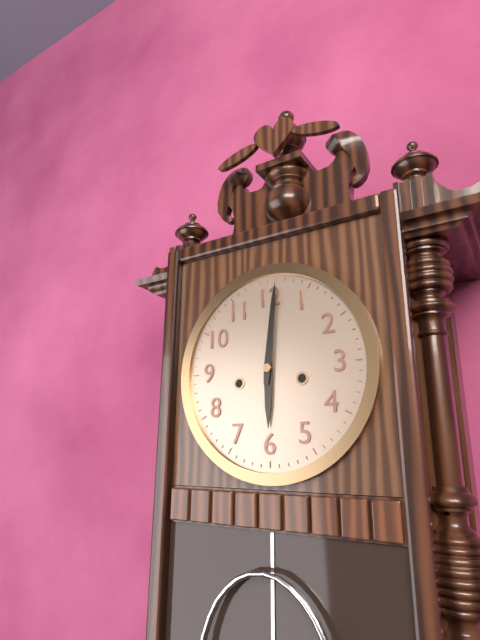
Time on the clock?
6:01
